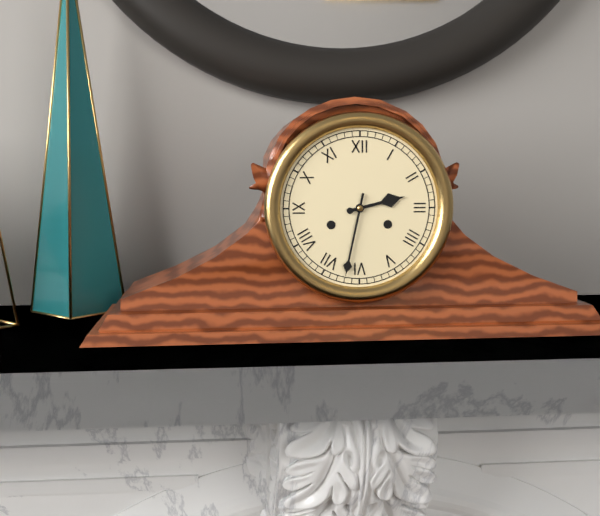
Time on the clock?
2:32
